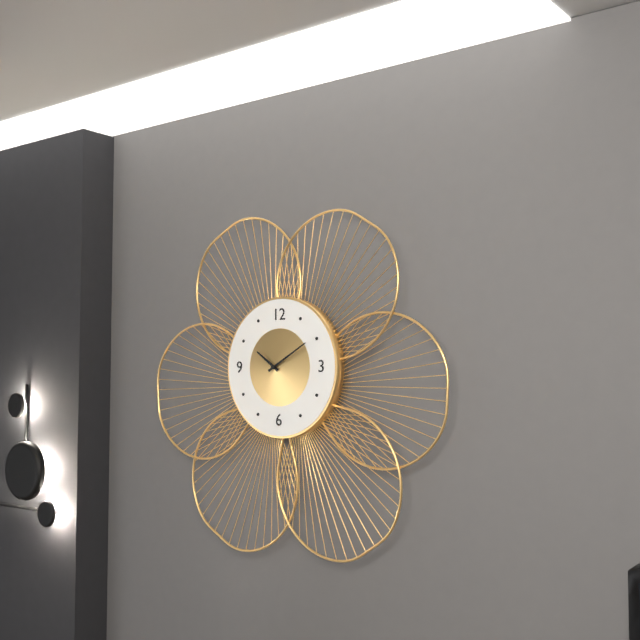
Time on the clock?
10:10
